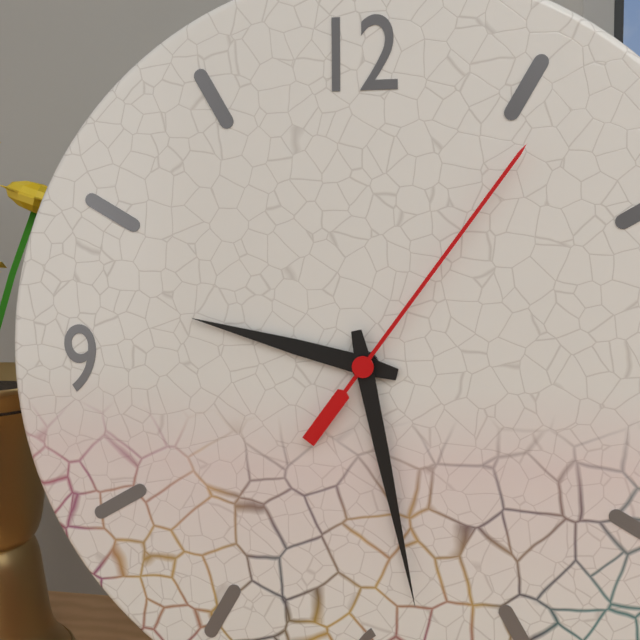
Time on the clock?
9:28:06
